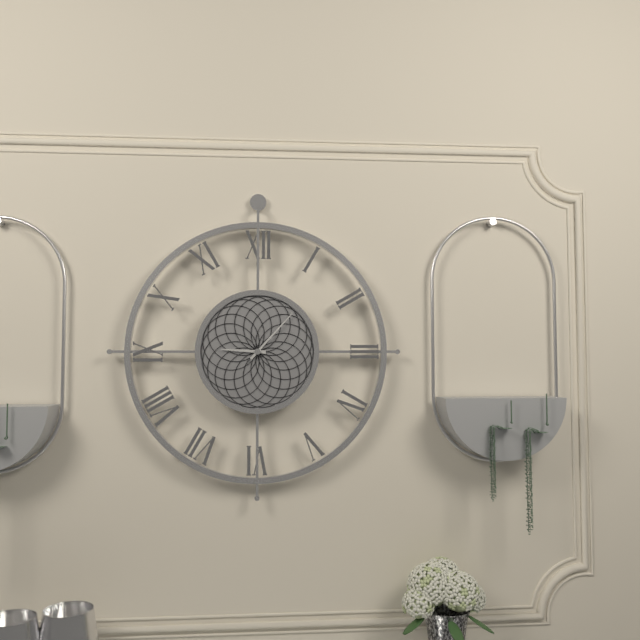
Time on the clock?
9:07
